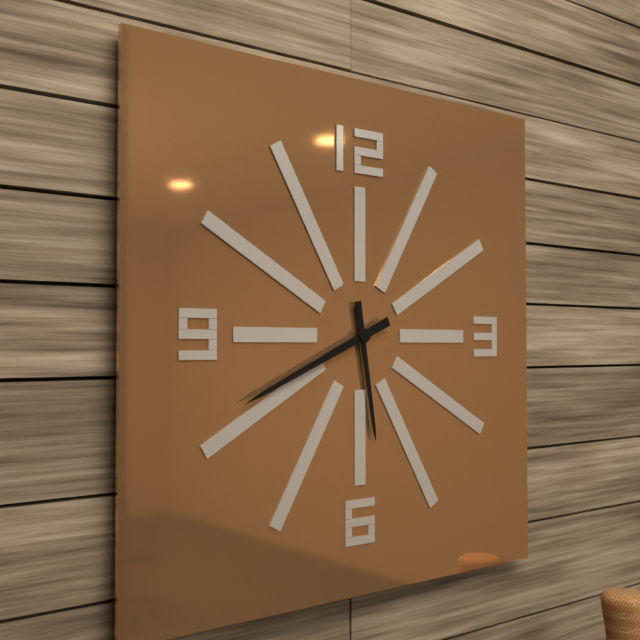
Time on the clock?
5:41
